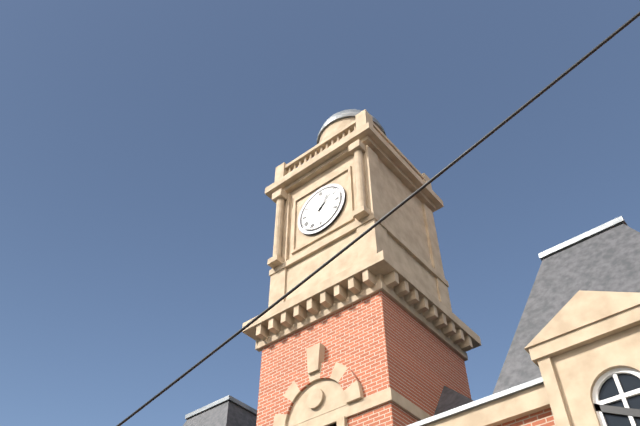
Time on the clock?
1:08
